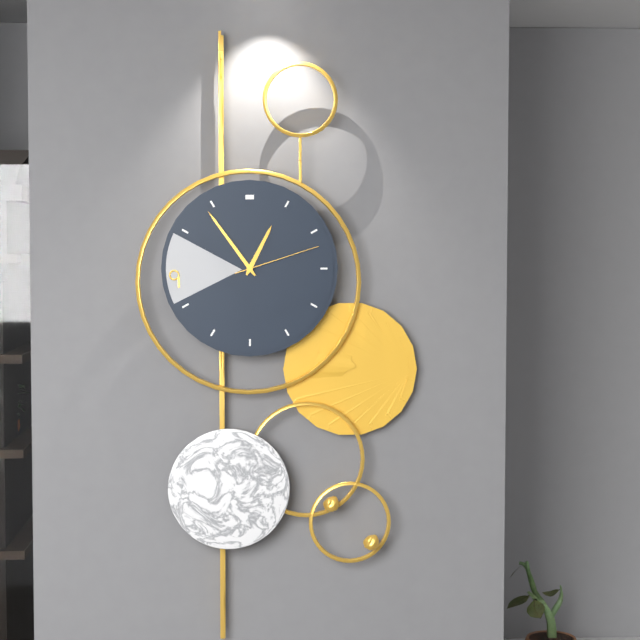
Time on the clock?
12:54:12
